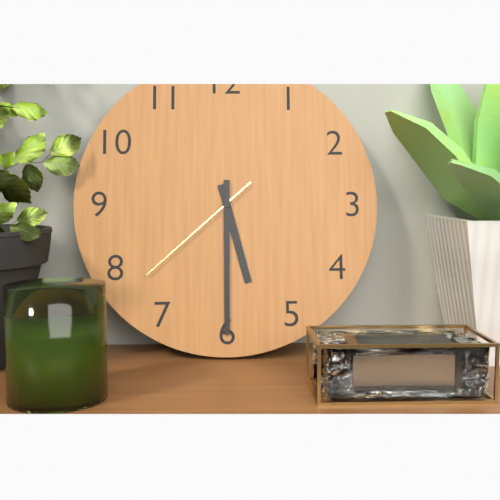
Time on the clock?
5:30:38
